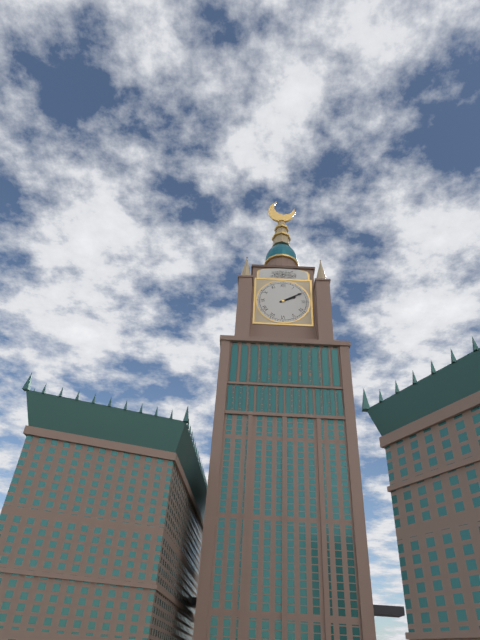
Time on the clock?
2:10
